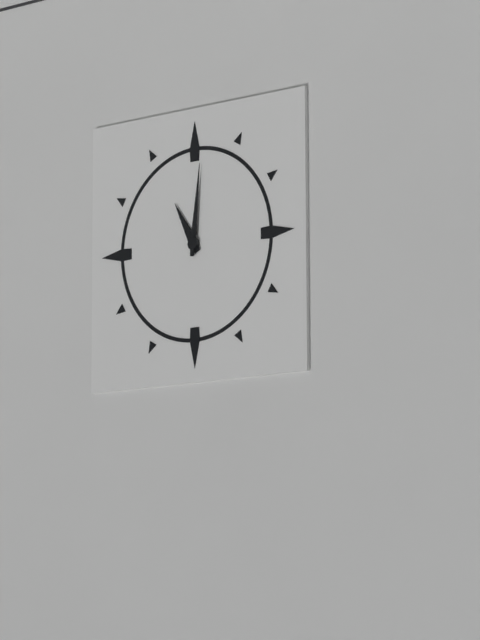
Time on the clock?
11:01
